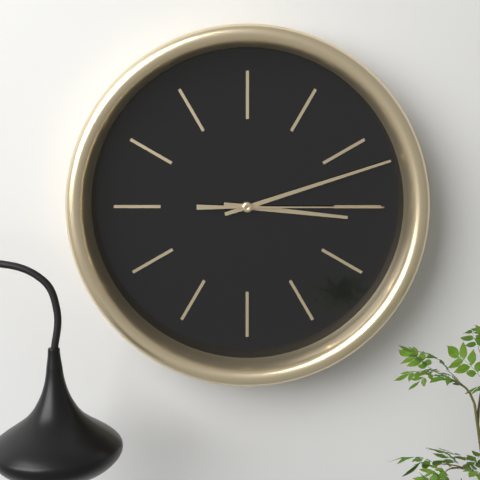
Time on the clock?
3:12:15
